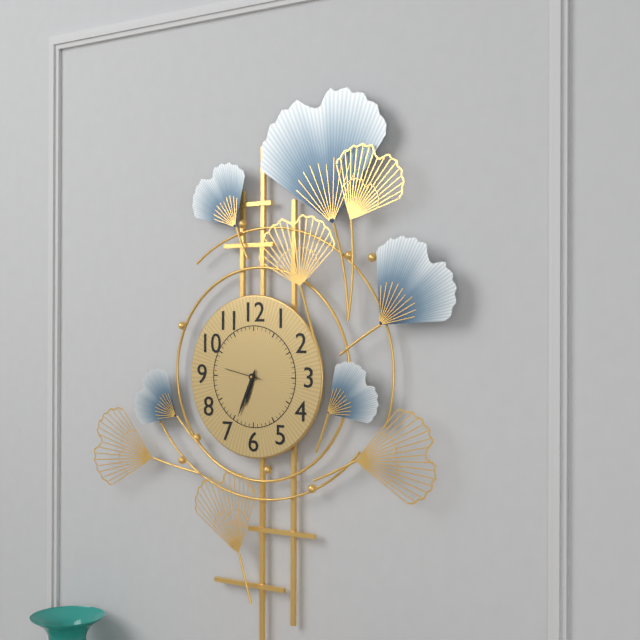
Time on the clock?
6:34
